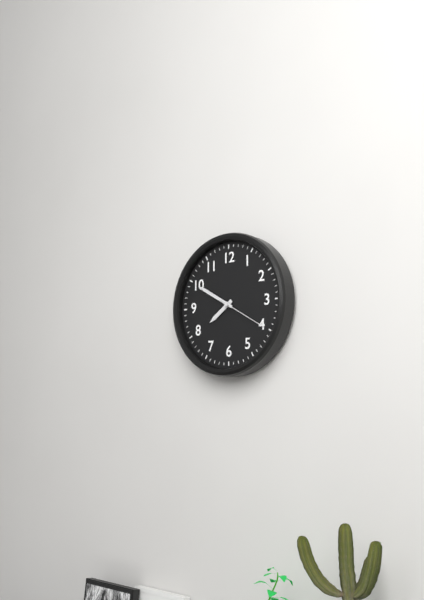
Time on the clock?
7:50:20
